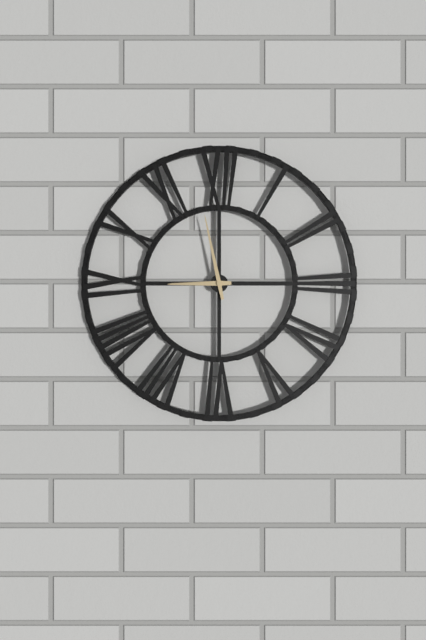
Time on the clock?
8:58
